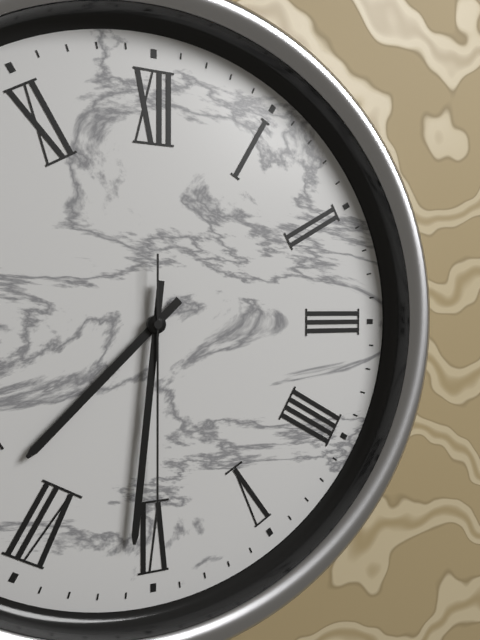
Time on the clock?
7:31:30
